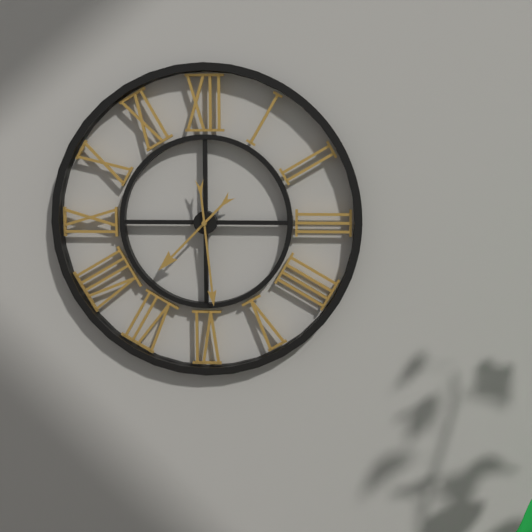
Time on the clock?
7:29
